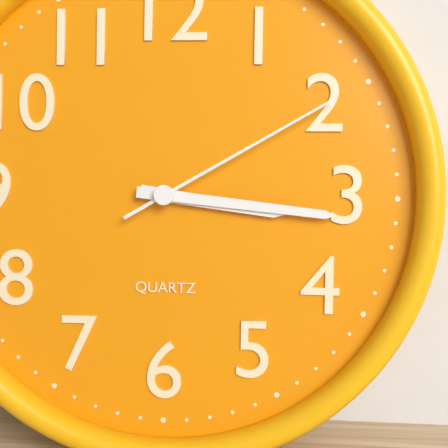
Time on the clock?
3:16:10
